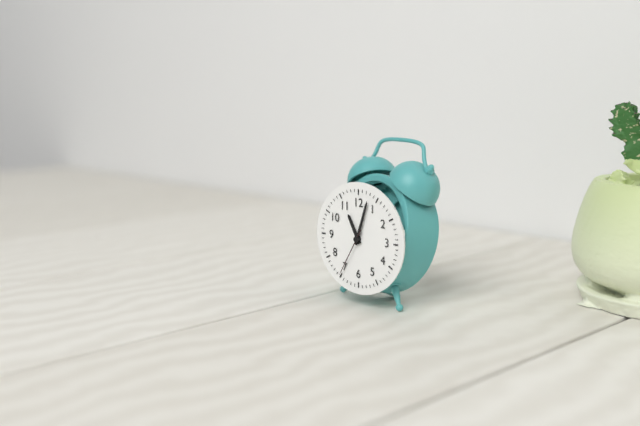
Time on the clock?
11:03:35
